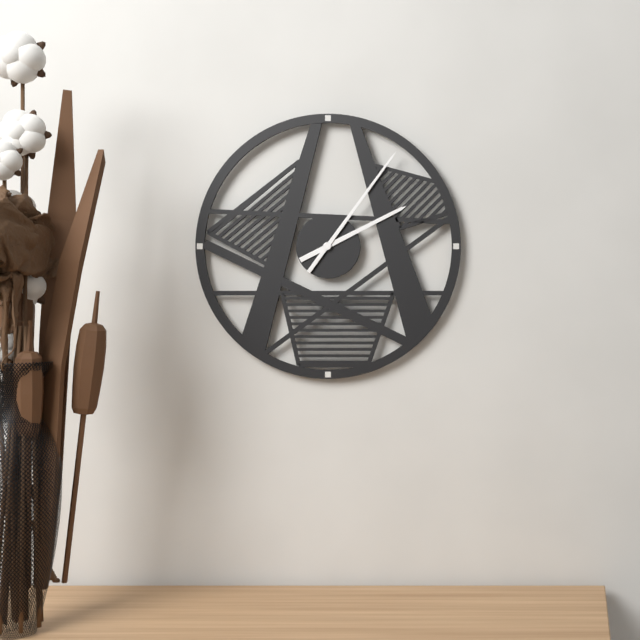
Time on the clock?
2:06
